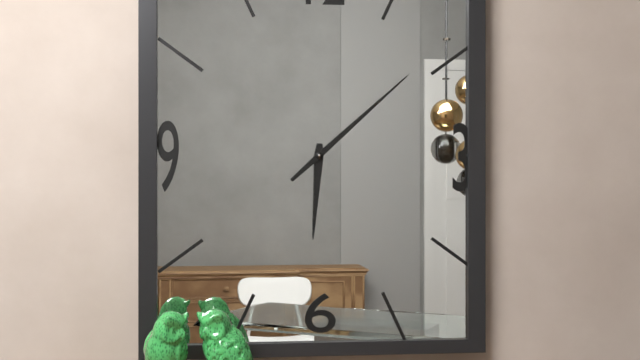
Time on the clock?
6:08
